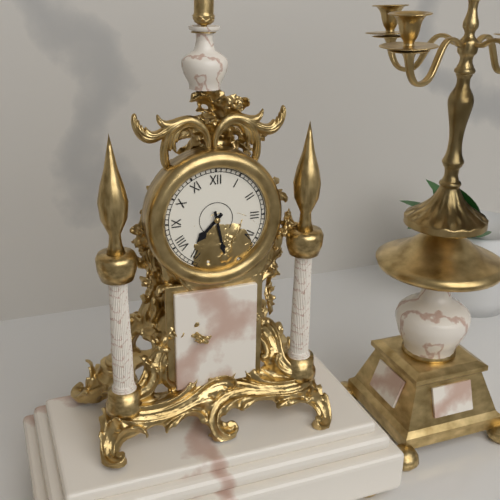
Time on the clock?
7:28
